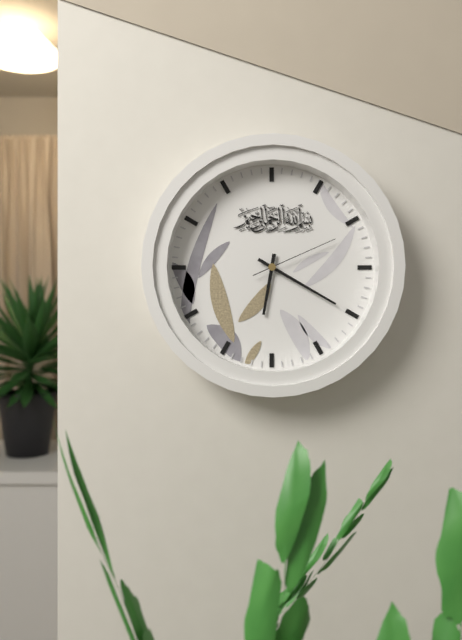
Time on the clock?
6:20:11
